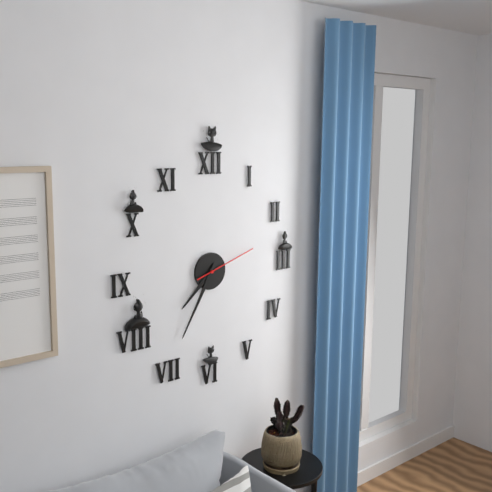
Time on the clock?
7:35:12
